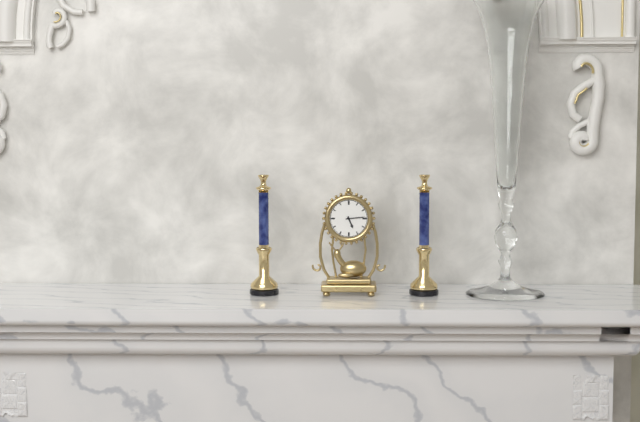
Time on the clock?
5:14
